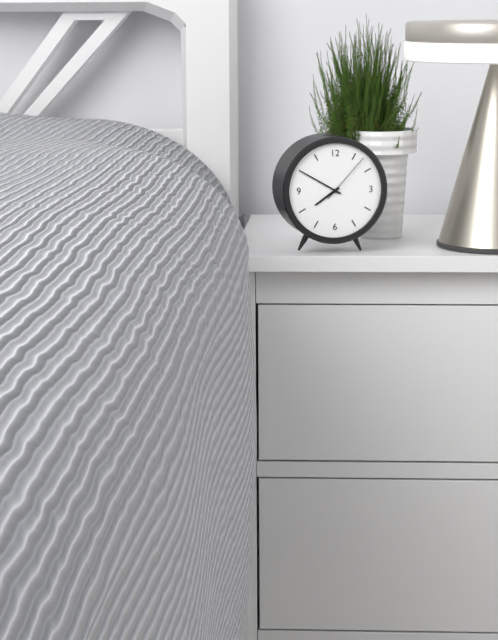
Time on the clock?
7:50:07
